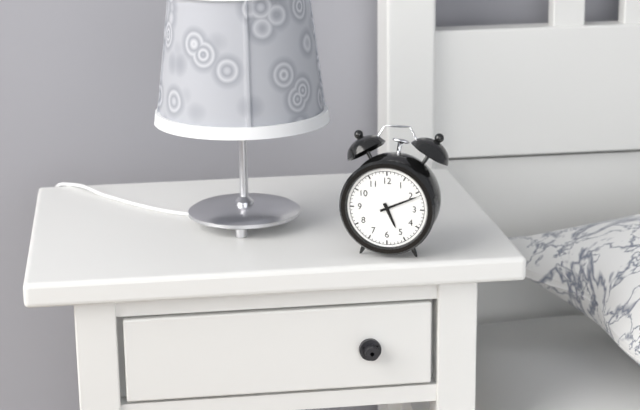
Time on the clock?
5:11
